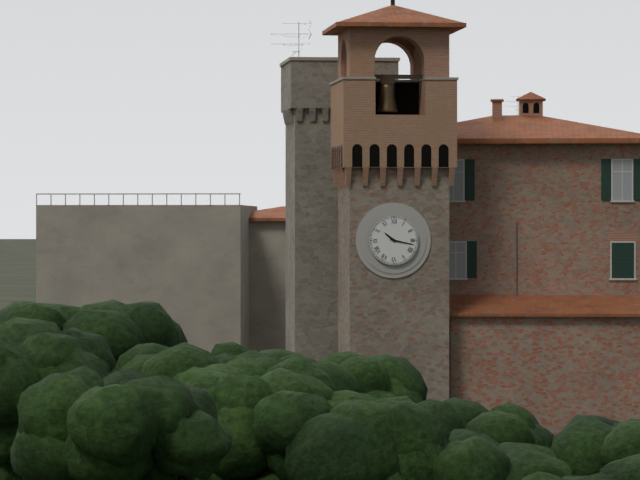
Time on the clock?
10:17
